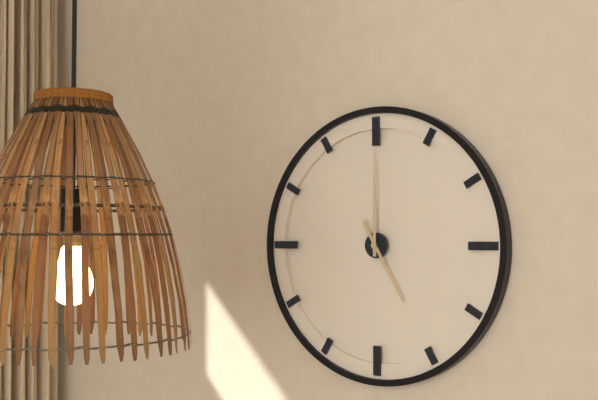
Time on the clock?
5:00
